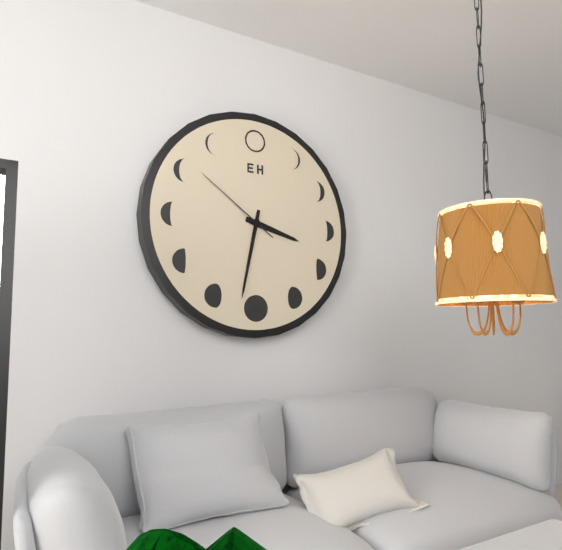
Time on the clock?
3:32:51
